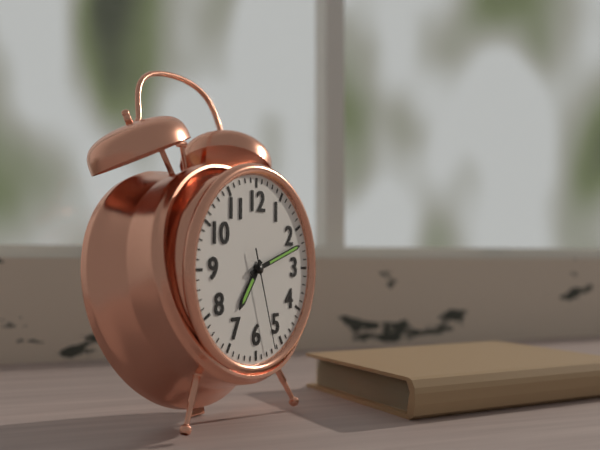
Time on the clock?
7:12:27
